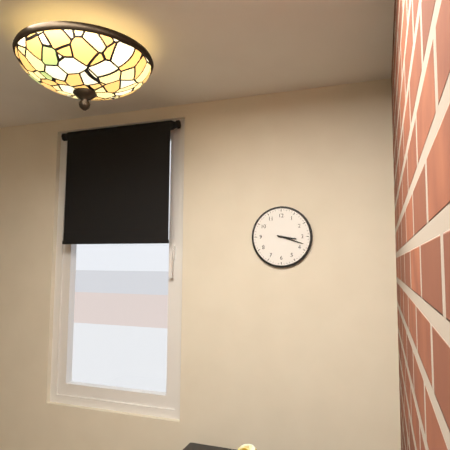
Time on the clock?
3:18
